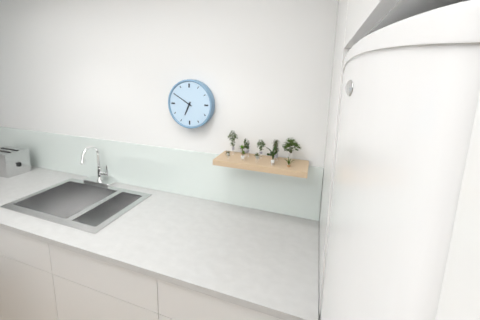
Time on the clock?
6:50
